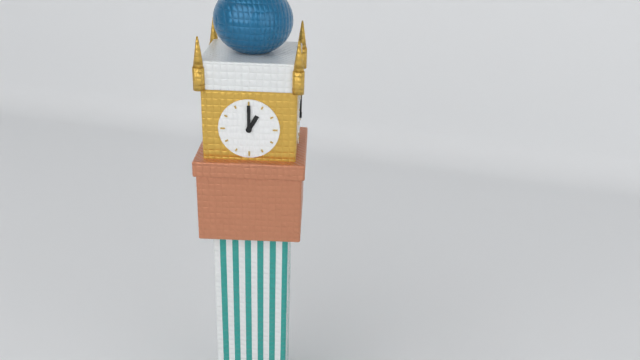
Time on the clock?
1:00
